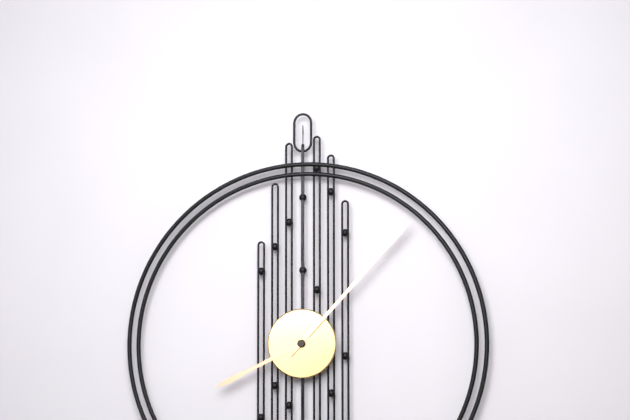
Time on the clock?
8:07
